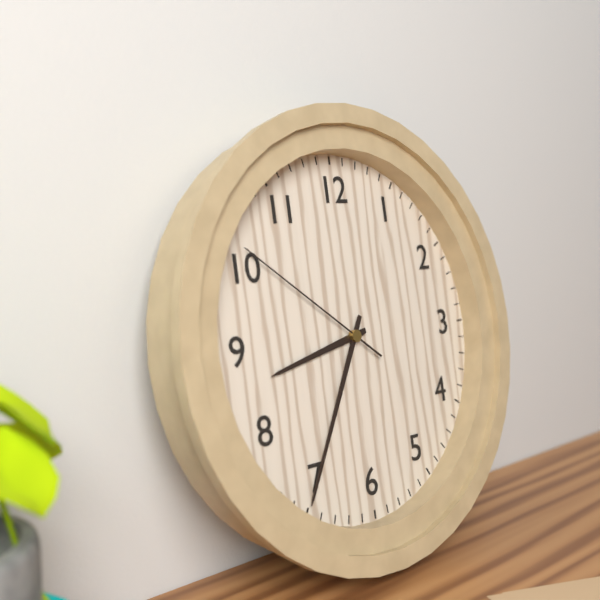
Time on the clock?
8:35:51
